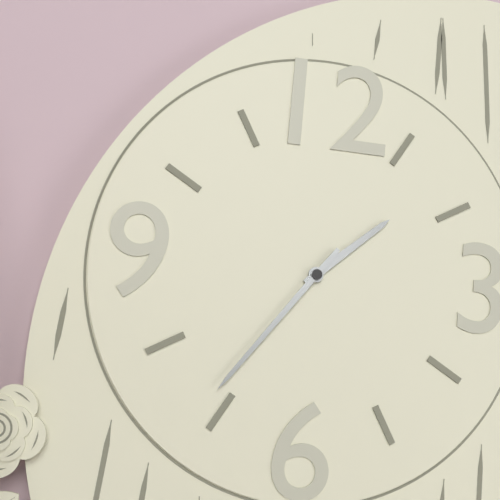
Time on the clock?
1:36
